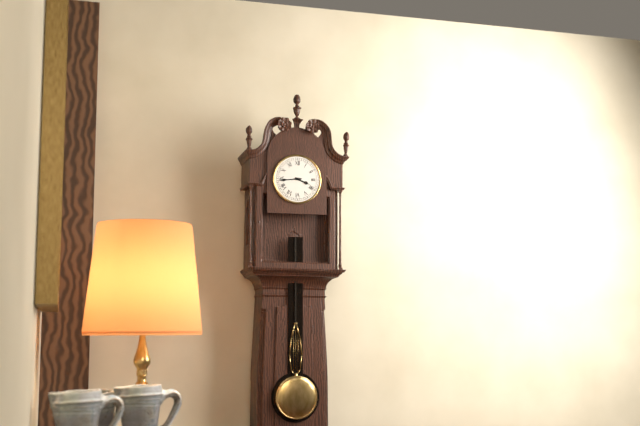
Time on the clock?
3:44
